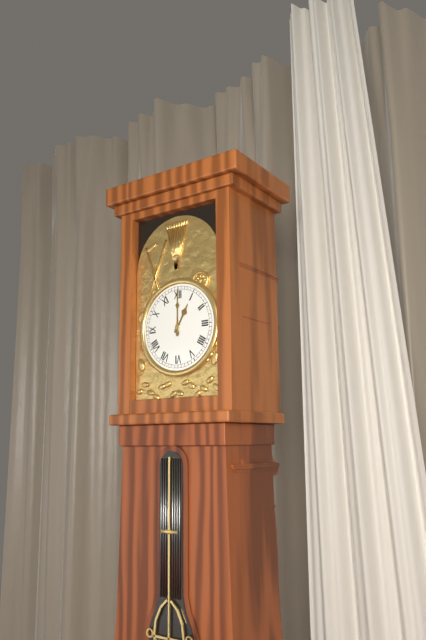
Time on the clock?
1:00
